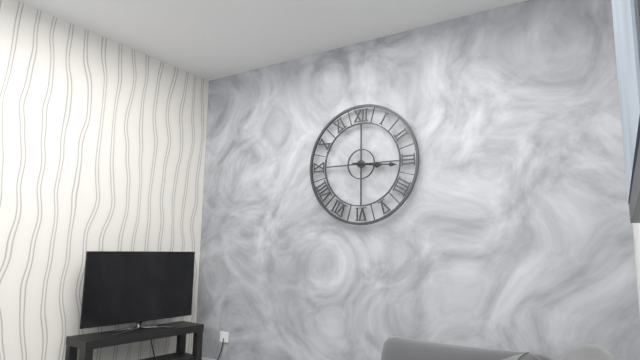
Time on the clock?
3:16
